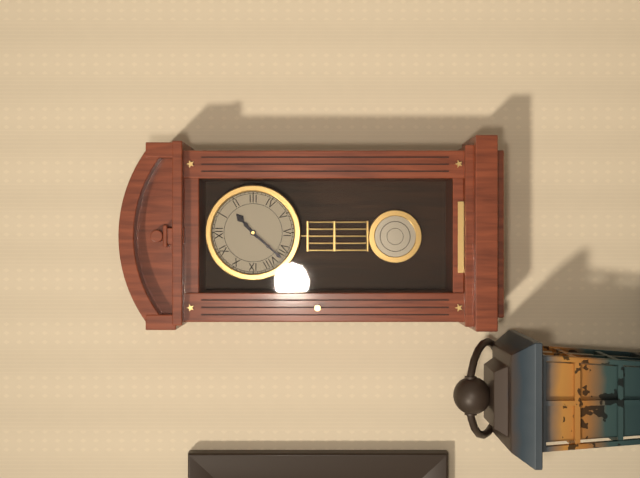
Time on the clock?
1:37
